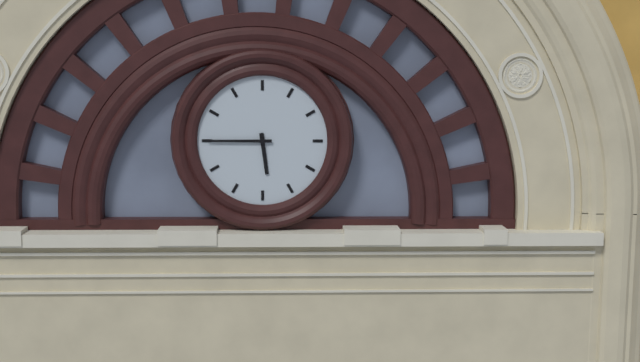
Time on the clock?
5:45
